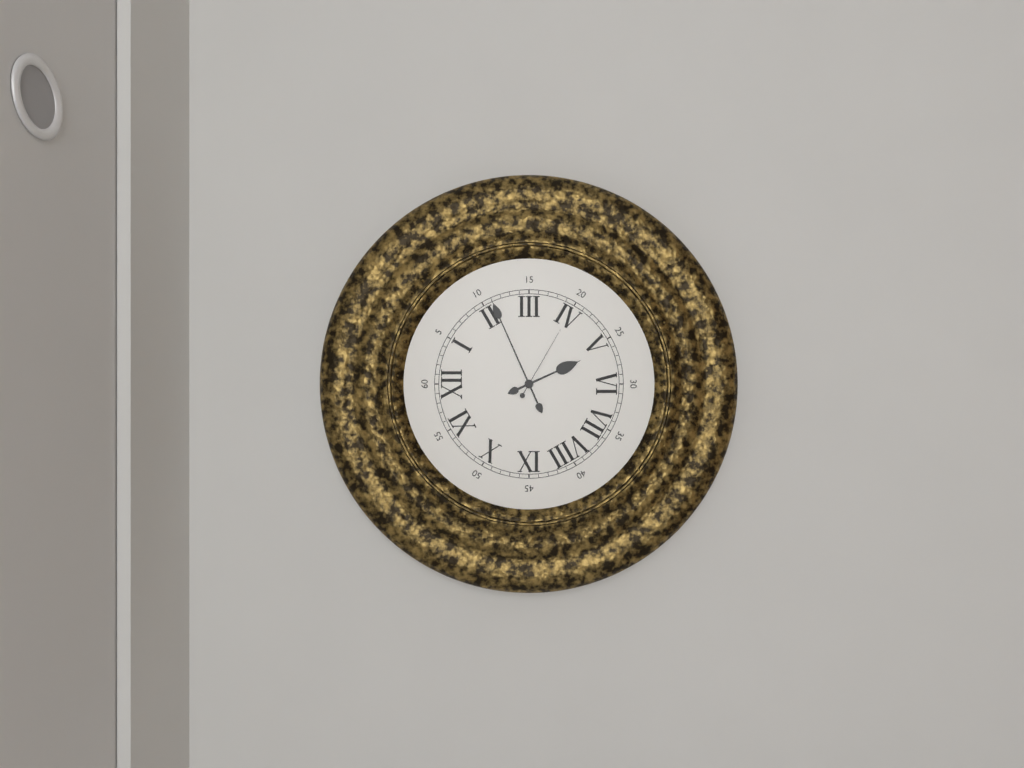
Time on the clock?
5:11:20
